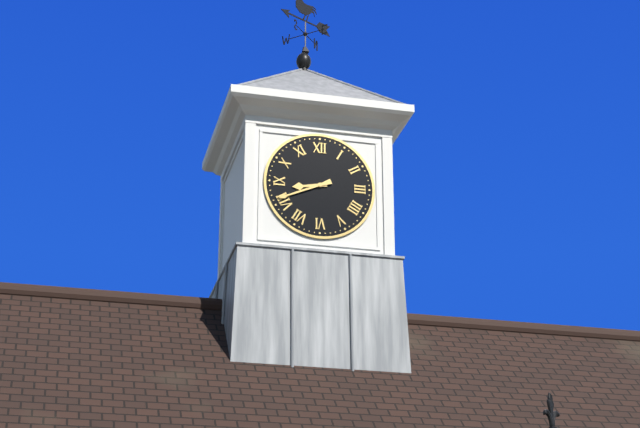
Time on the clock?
8:41
